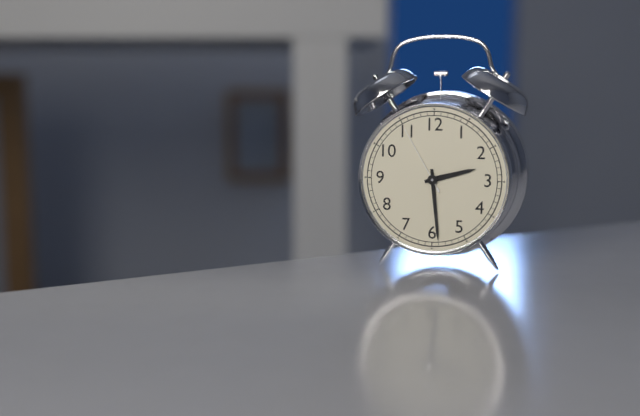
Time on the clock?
2:29:55
